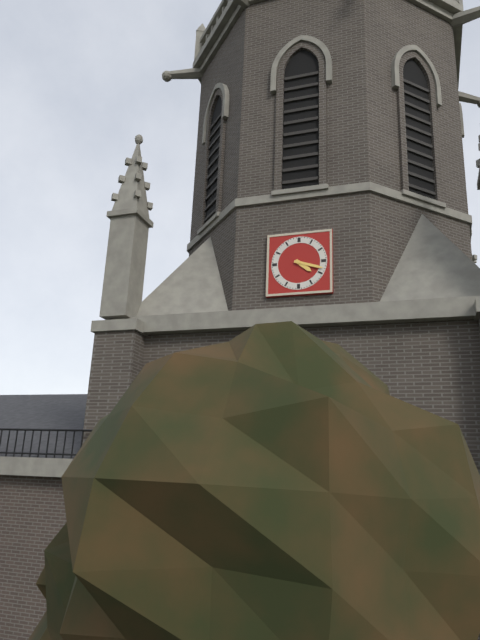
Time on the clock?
4:18
